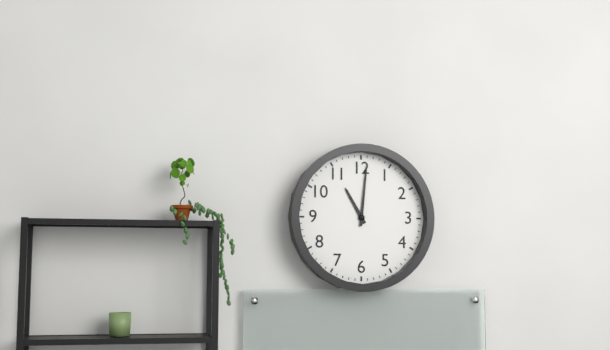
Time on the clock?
11:01
